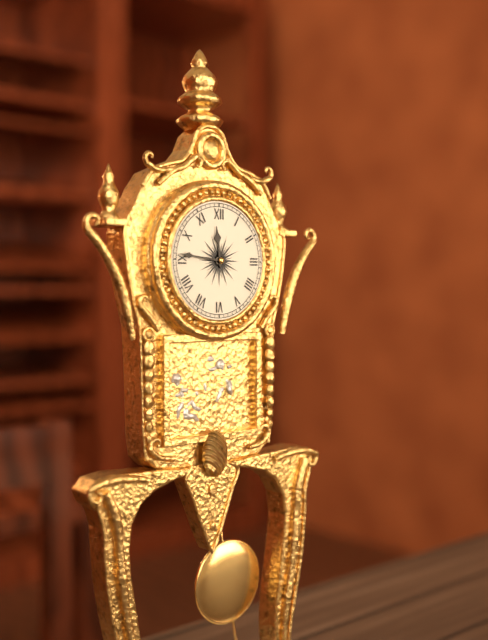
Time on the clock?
11:46
